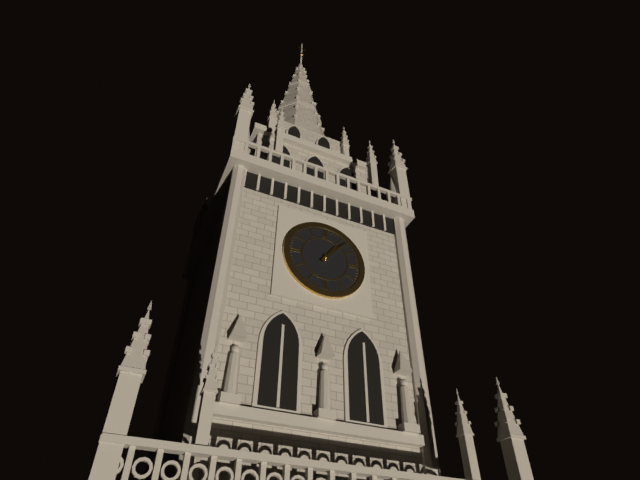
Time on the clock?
1:07
